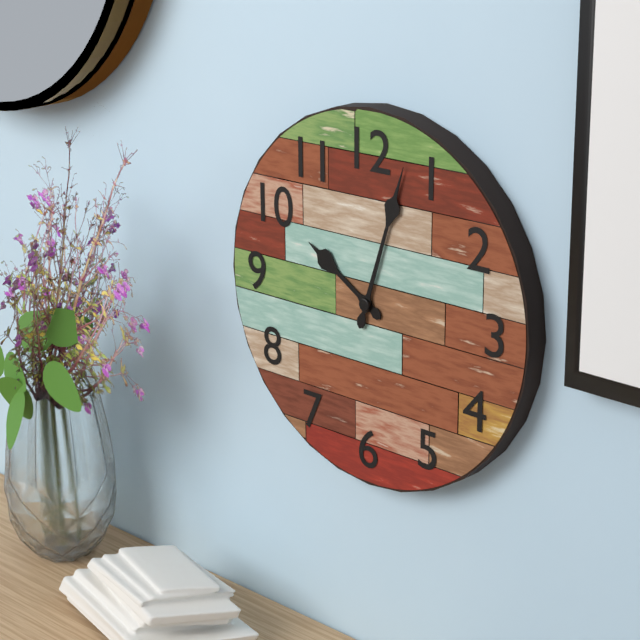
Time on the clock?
10:03
